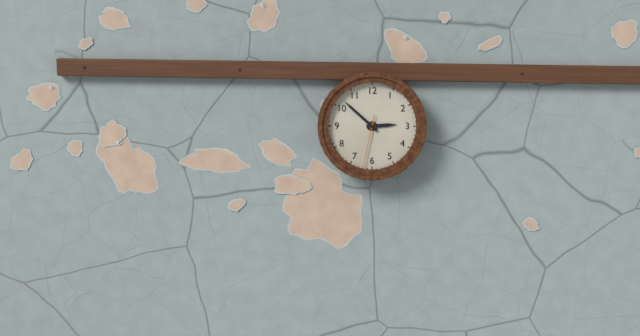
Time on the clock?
2:52:32
